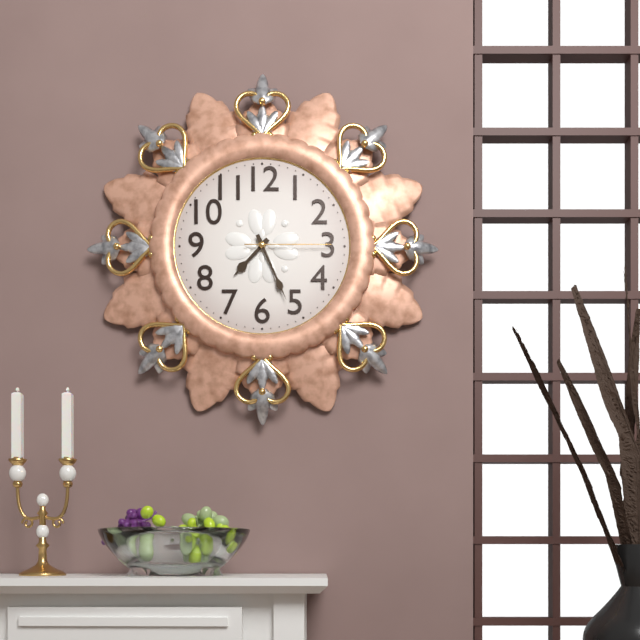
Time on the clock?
7:26:15
